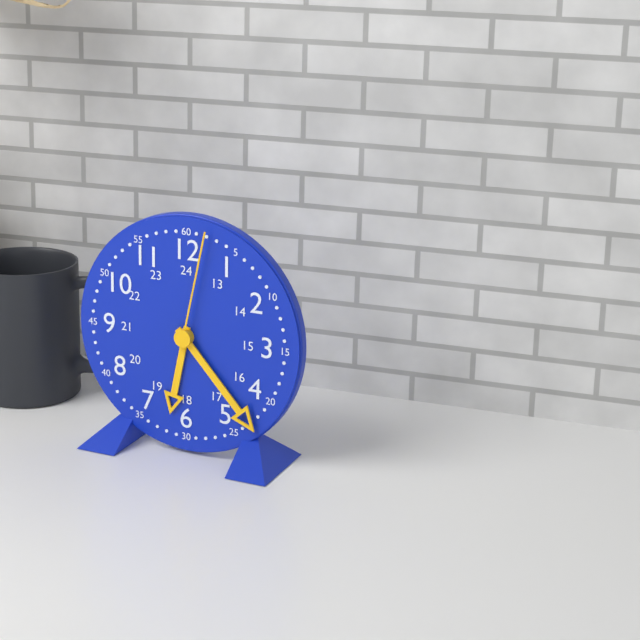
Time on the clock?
6:23:02
